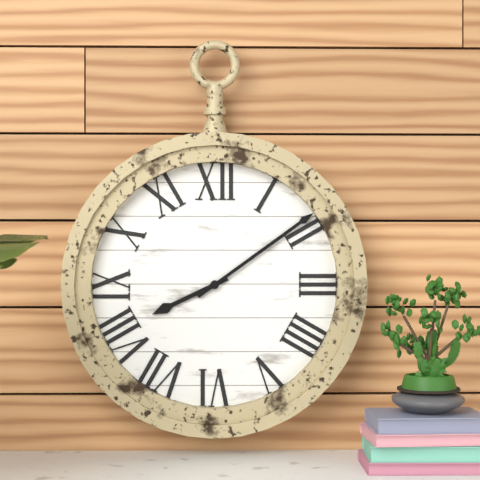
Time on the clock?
8:09
